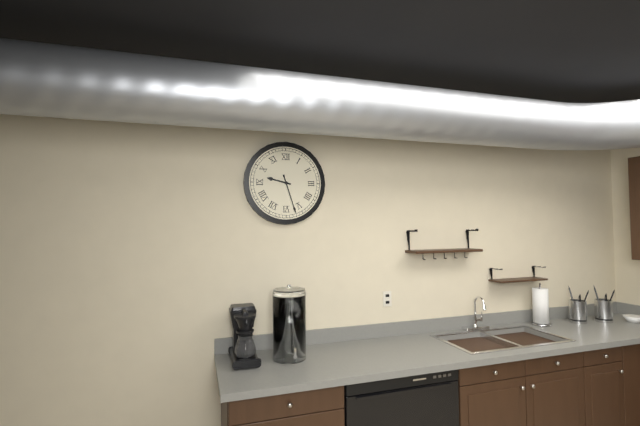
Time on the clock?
9:27
